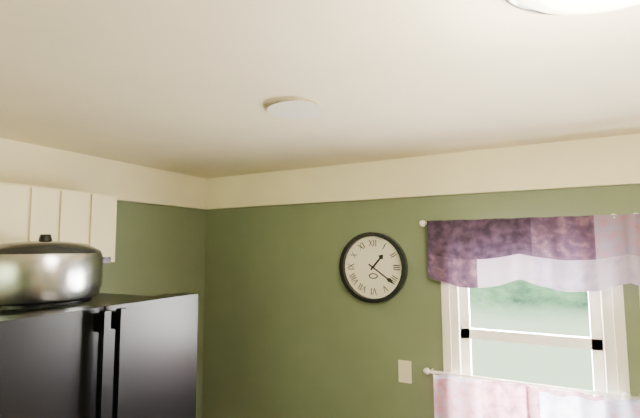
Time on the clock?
1:21
